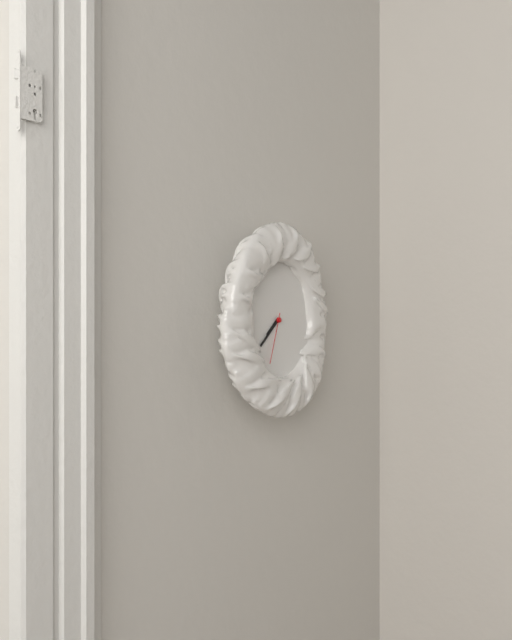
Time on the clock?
7:38:33
